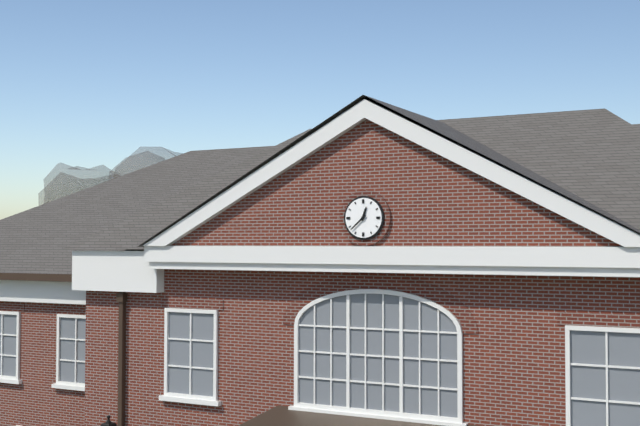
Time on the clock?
12:38
